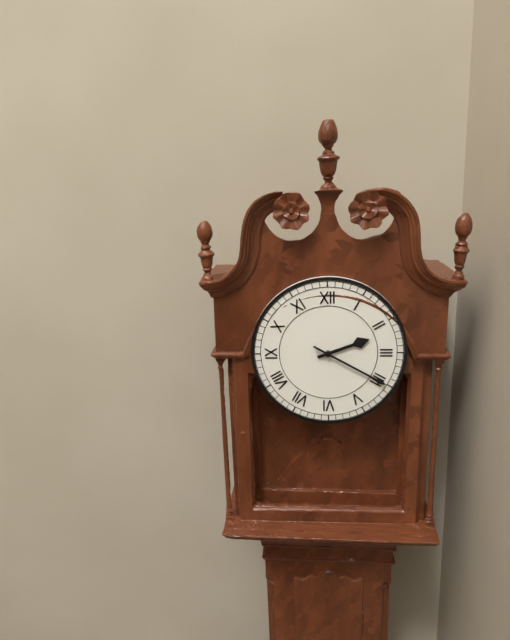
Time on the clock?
2:20
